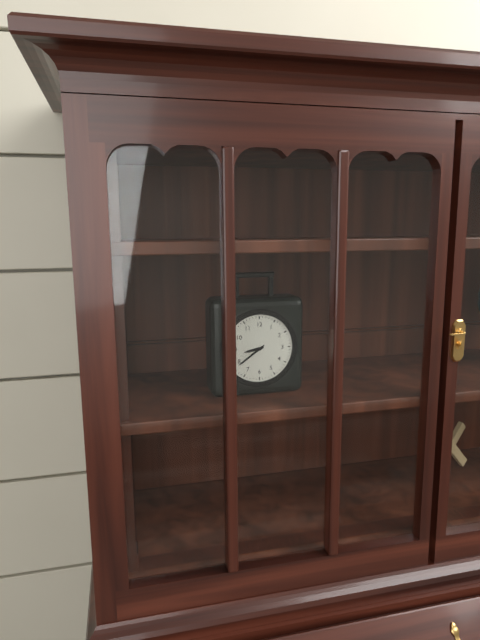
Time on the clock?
8:39
